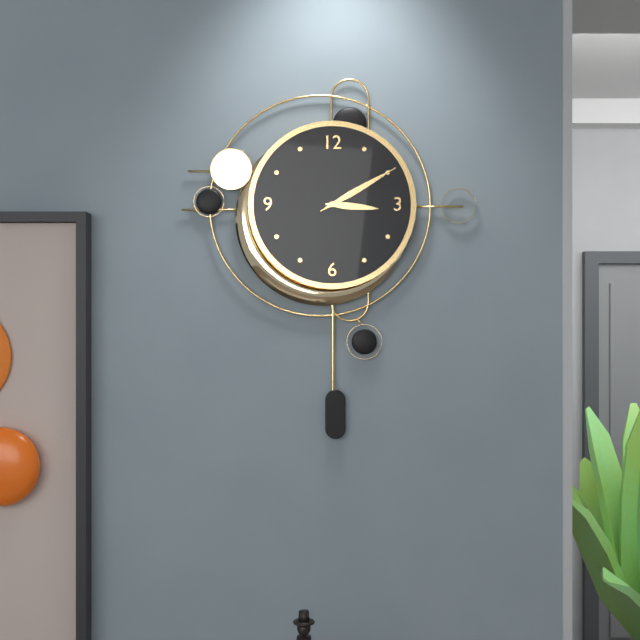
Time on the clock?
3:10:10
